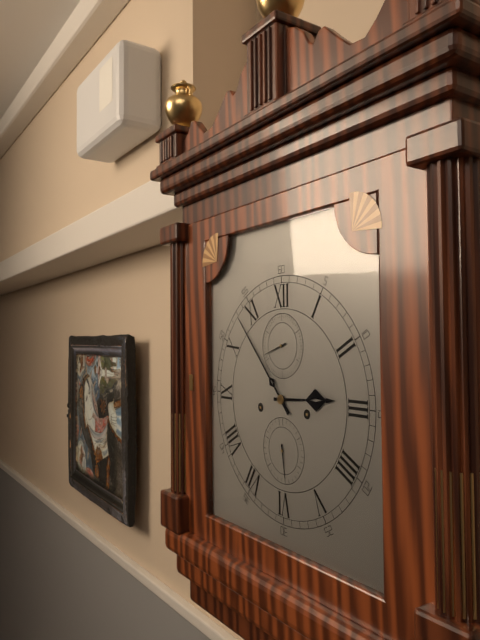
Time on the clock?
2:53
